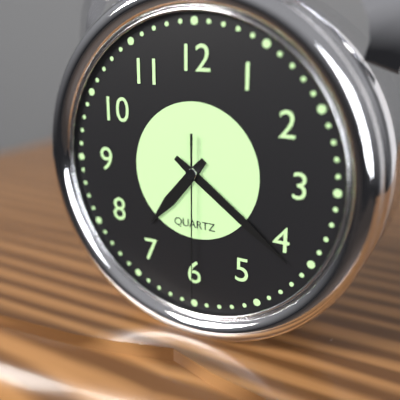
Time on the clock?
7:21:30
